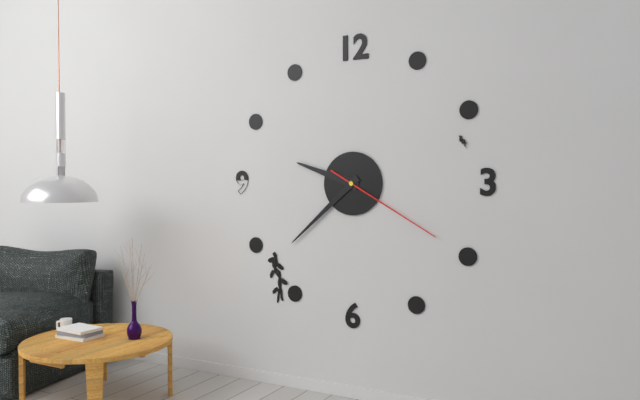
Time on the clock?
9:38:20
